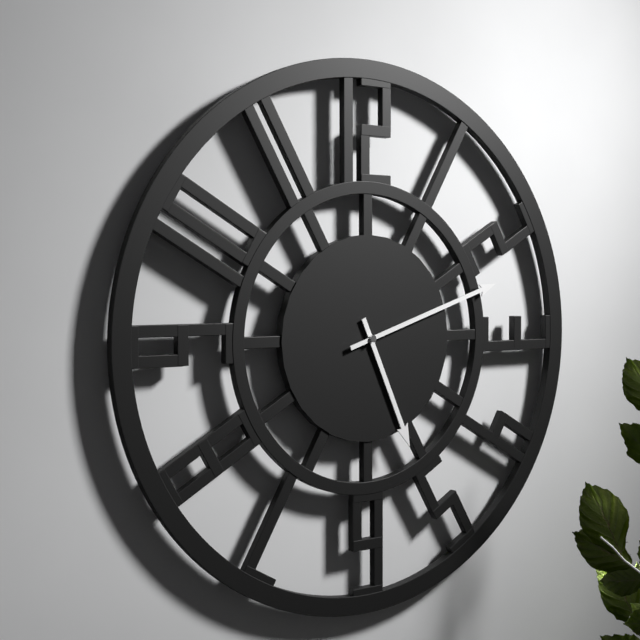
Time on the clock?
5:12
